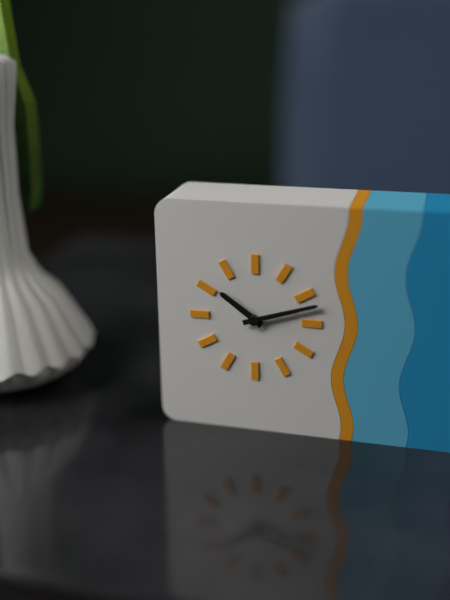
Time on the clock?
10:12
